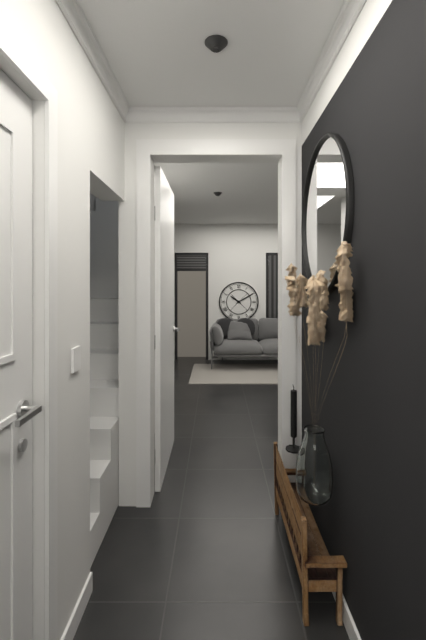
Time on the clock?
10:10
